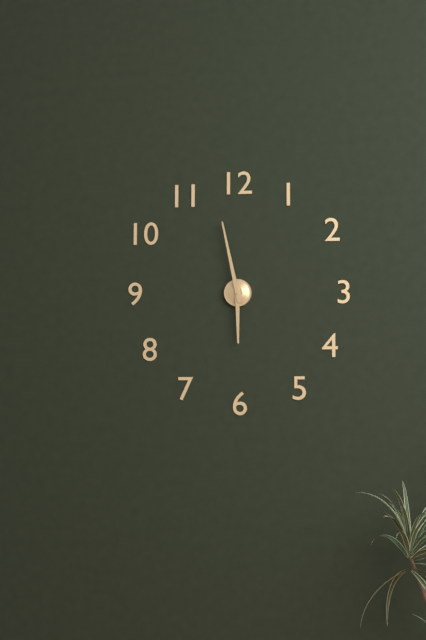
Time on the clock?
5:58
